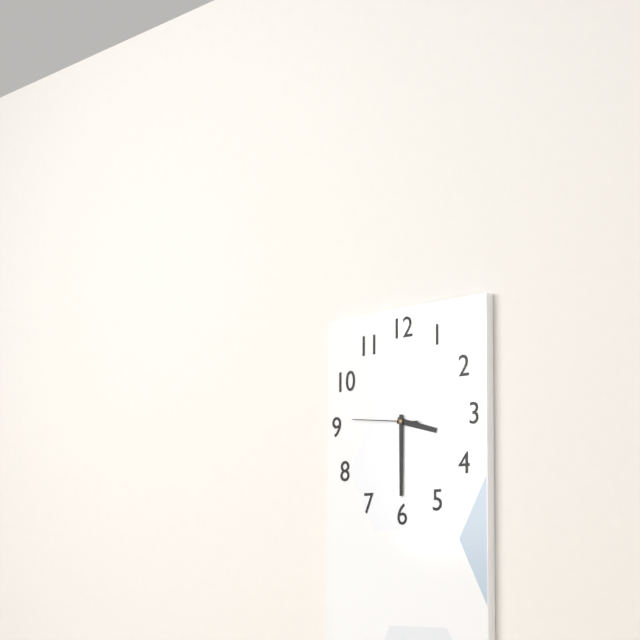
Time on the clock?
3:30:46
